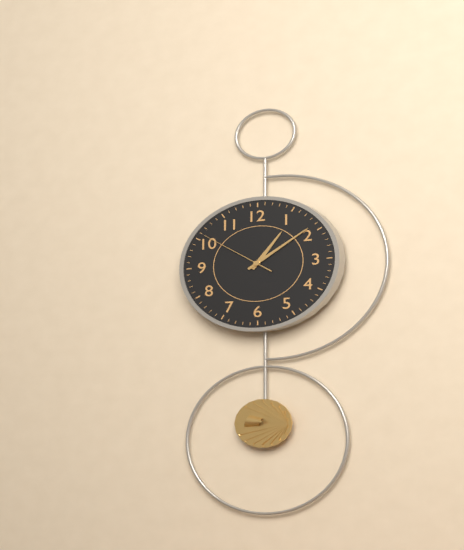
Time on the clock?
1:09:51
